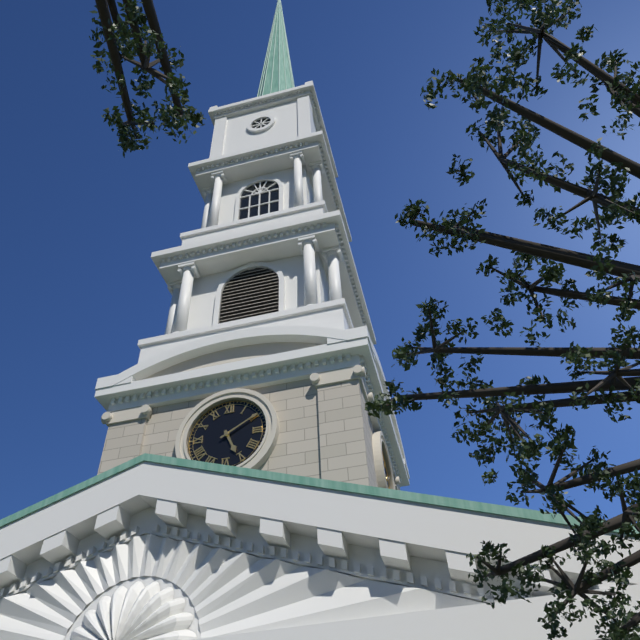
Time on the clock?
5:10
